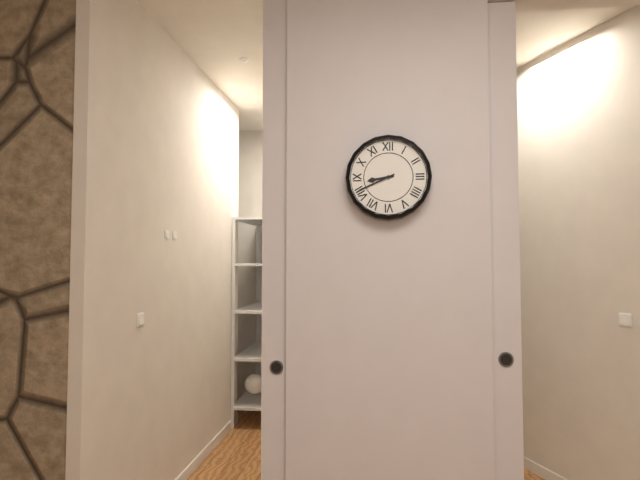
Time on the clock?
8:41
